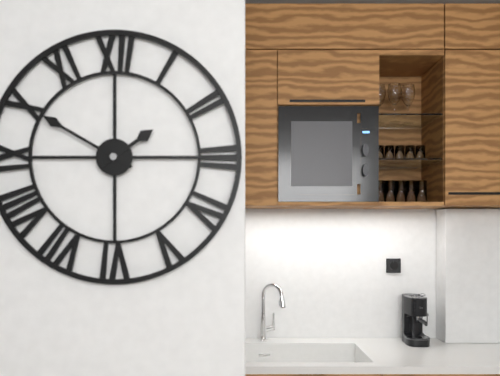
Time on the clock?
1:50
